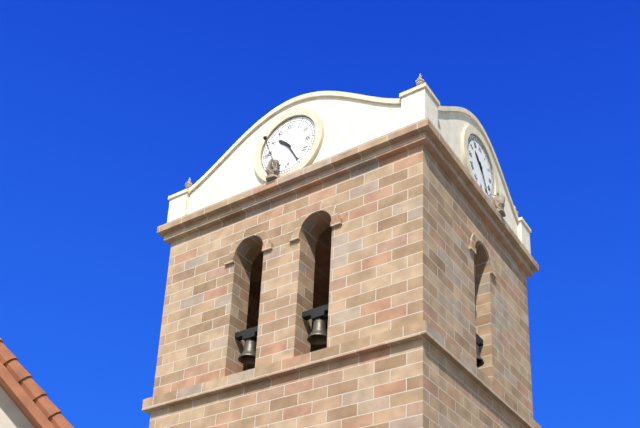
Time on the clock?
10:25
